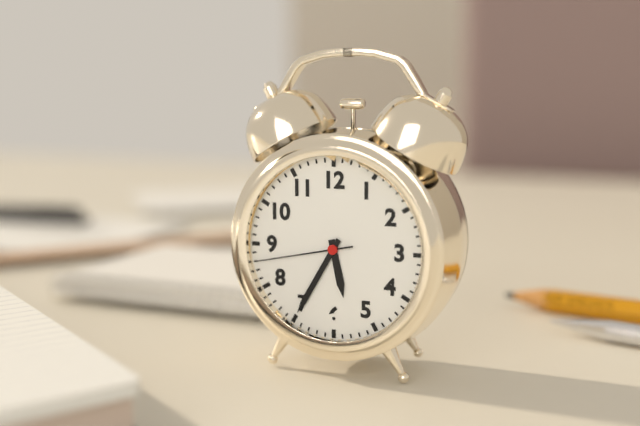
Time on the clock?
5:35:43
